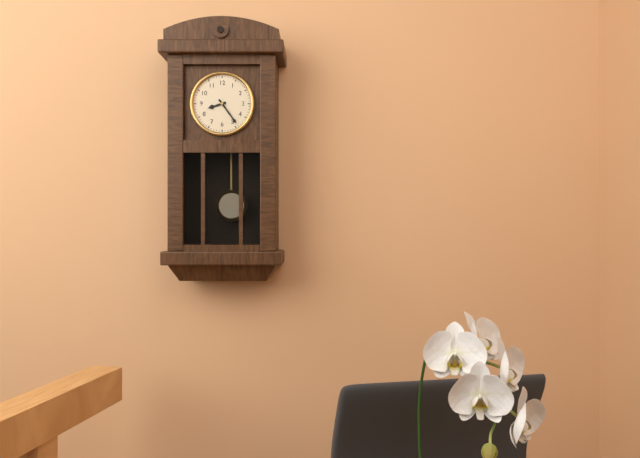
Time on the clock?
8:24
